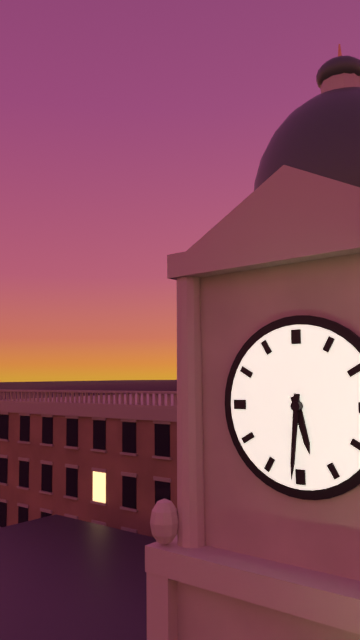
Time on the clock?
5:31
